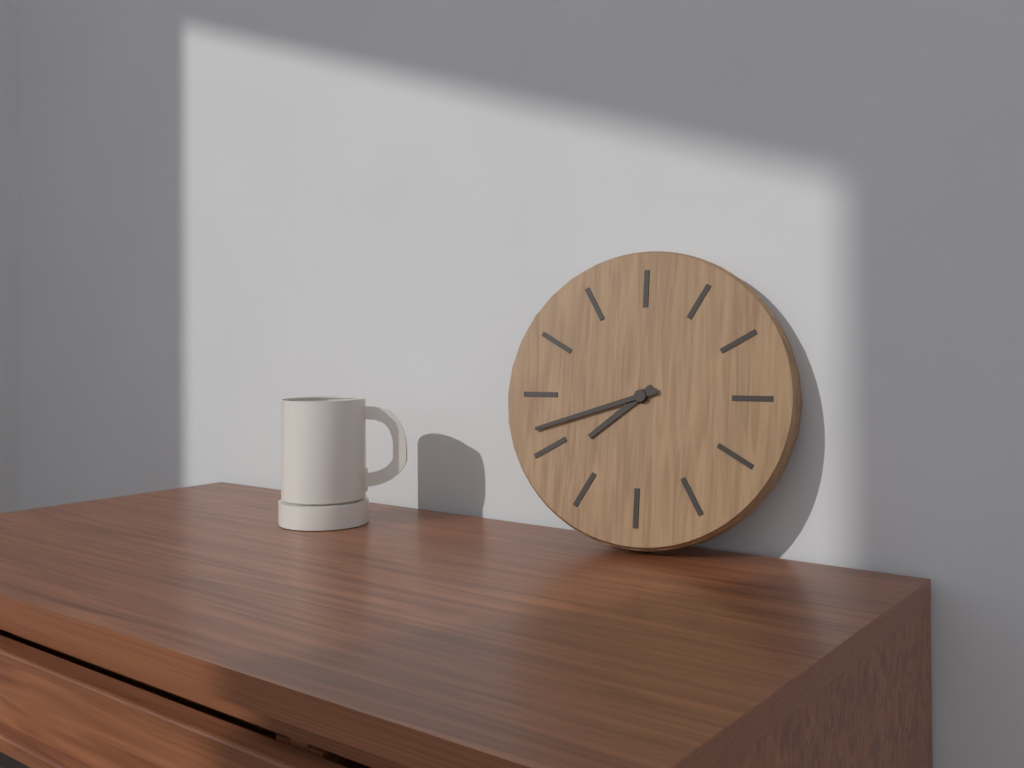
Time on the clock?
7:42
